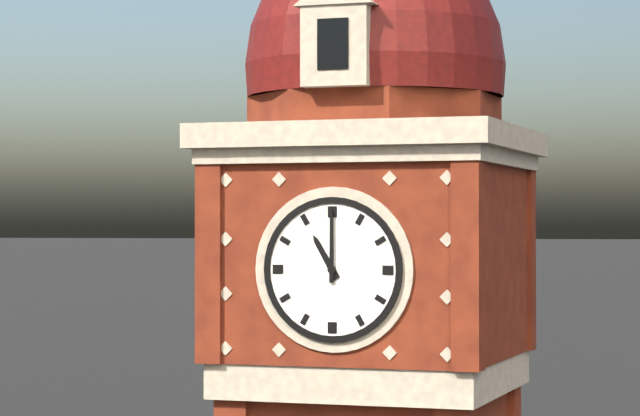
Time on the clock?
11:00
